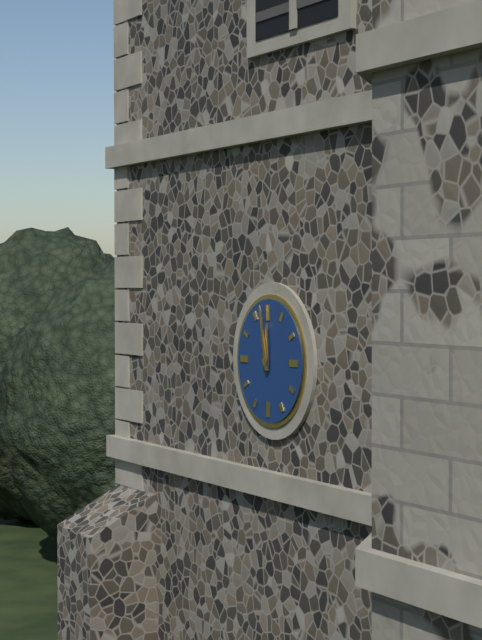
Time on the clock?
11:58
